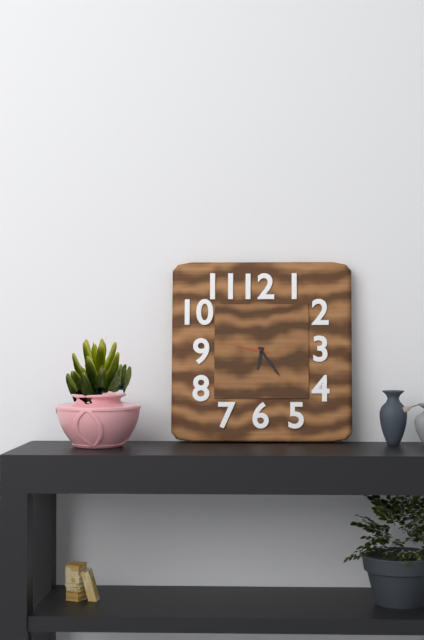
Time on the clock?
6:24
